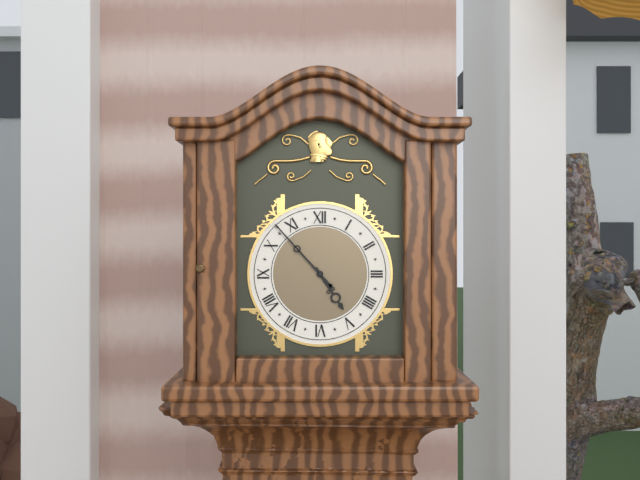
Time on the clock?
4:53
